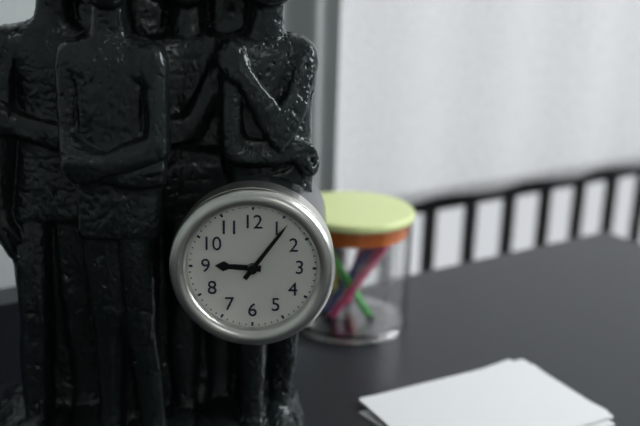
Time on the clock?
9:06
